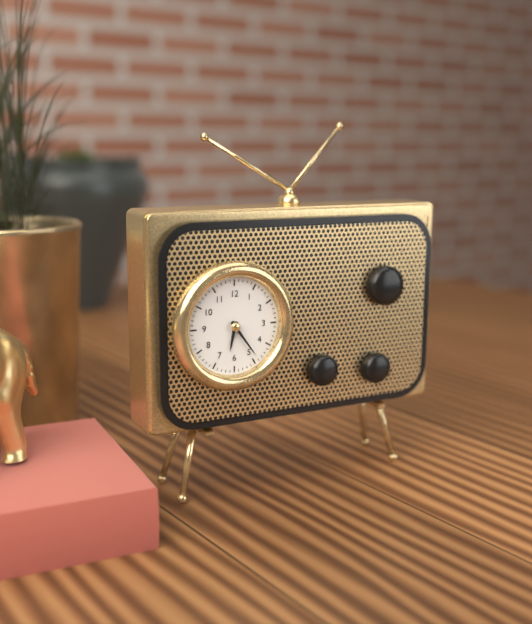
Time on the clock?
6:24
